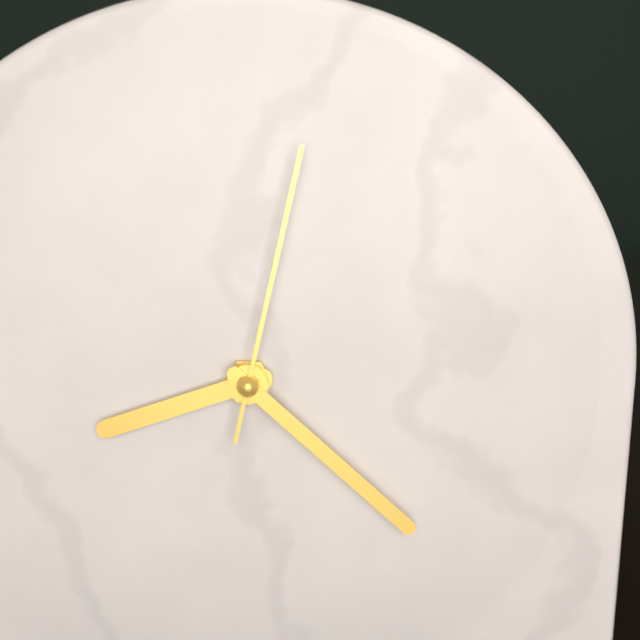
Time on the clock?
8:22:02
